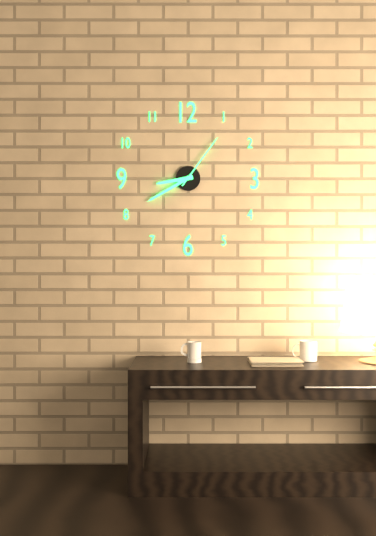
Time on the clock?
8:40:06
